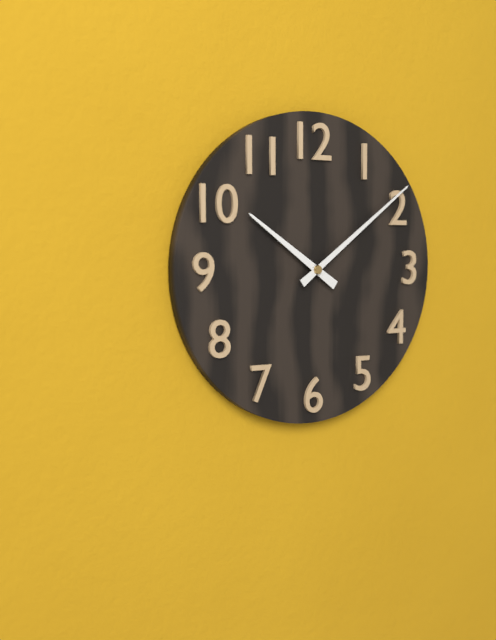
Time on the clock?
10:09
